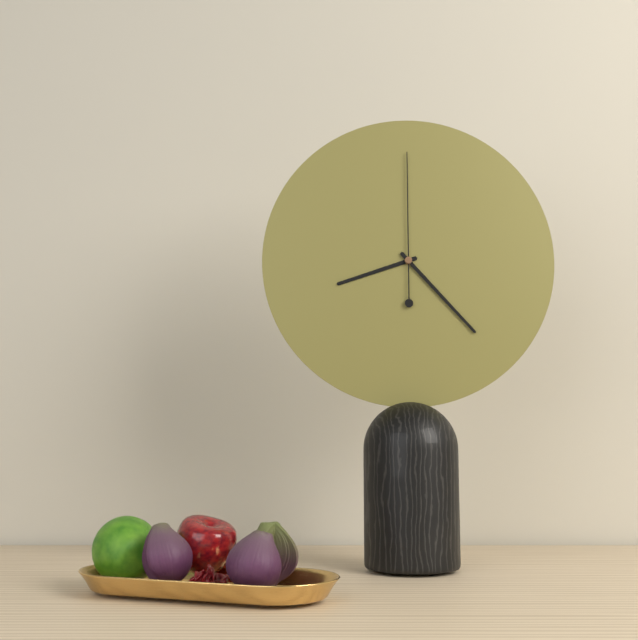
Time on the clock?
8:23:00
